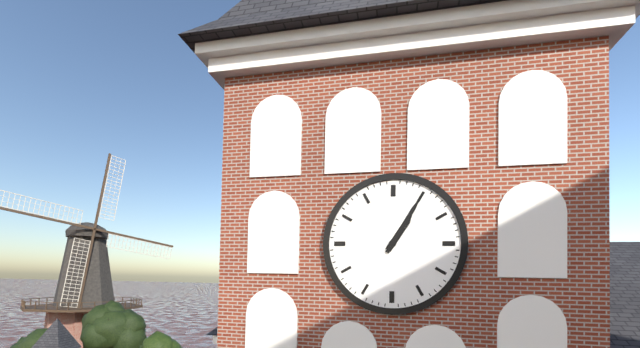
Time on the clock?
1:05
